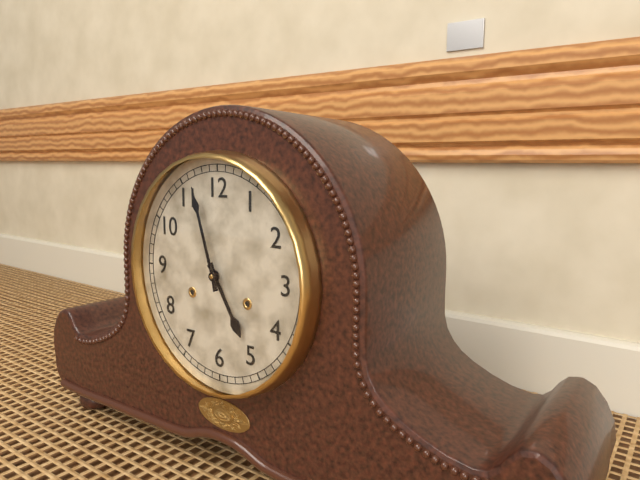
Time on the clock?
4:57
